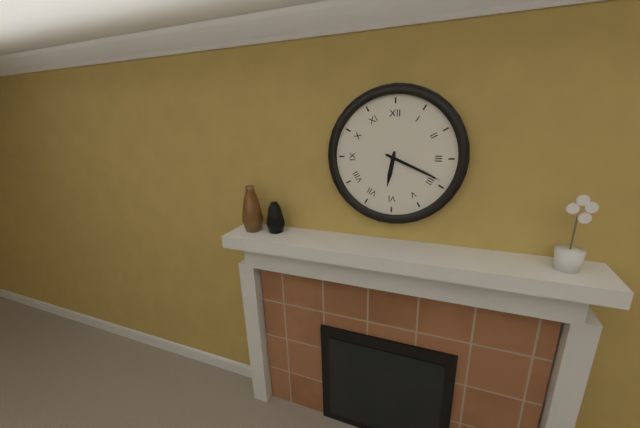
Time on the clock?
6:19
